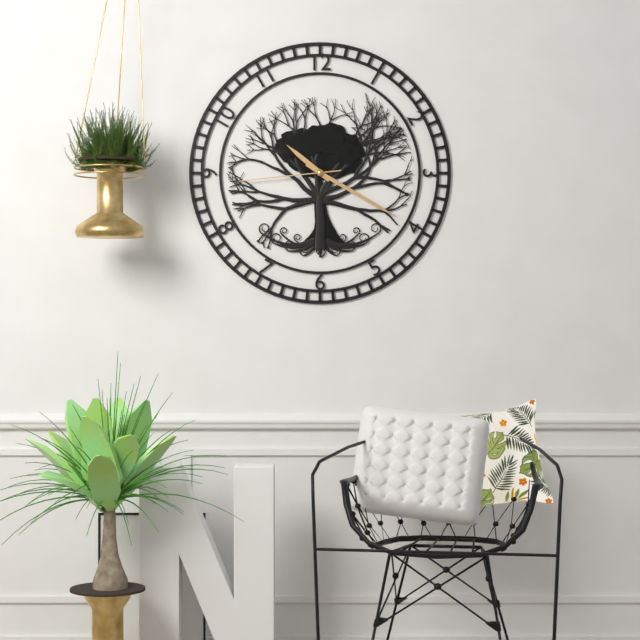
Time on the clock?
10:20:44
